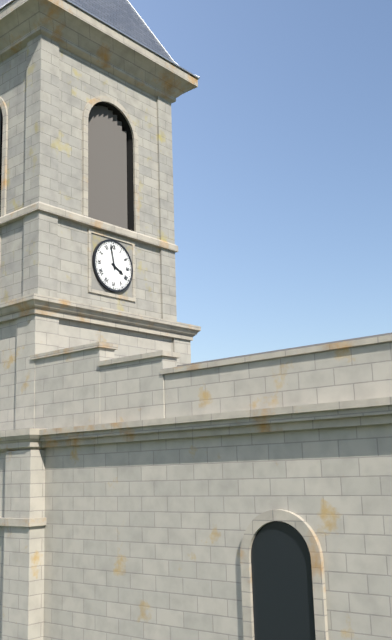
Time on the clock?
3:58
